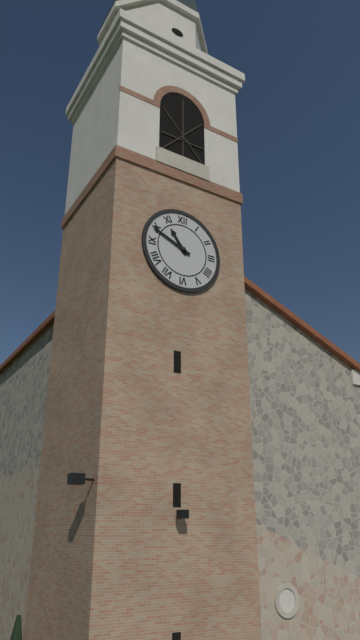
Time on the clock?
10:49
